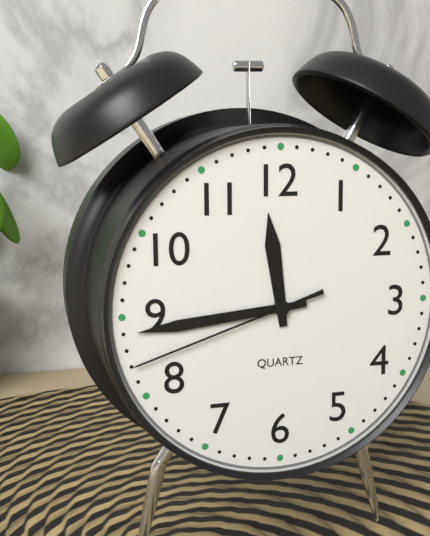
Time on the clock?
11:44:42
